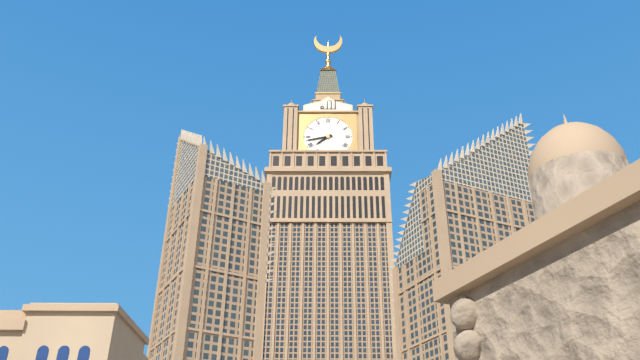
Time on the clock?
7:43
